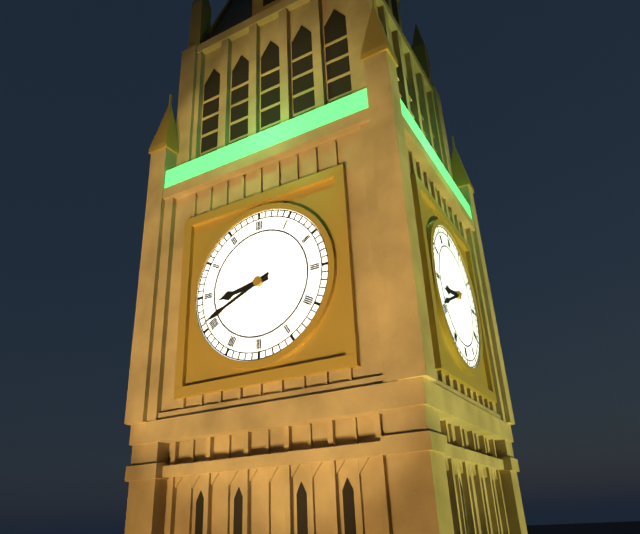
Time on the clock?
8:41
